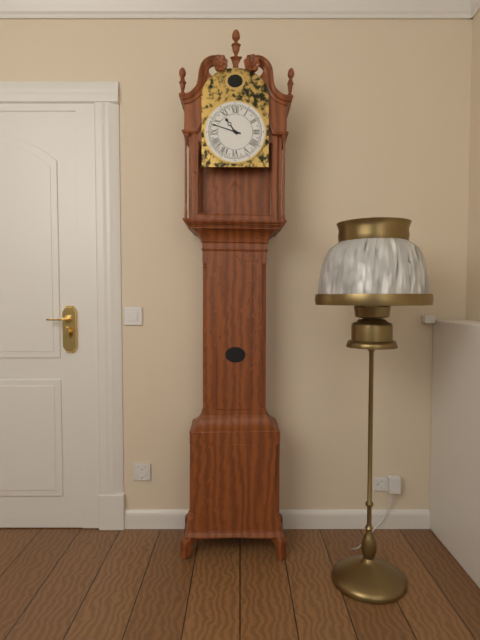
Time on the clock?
10:48
